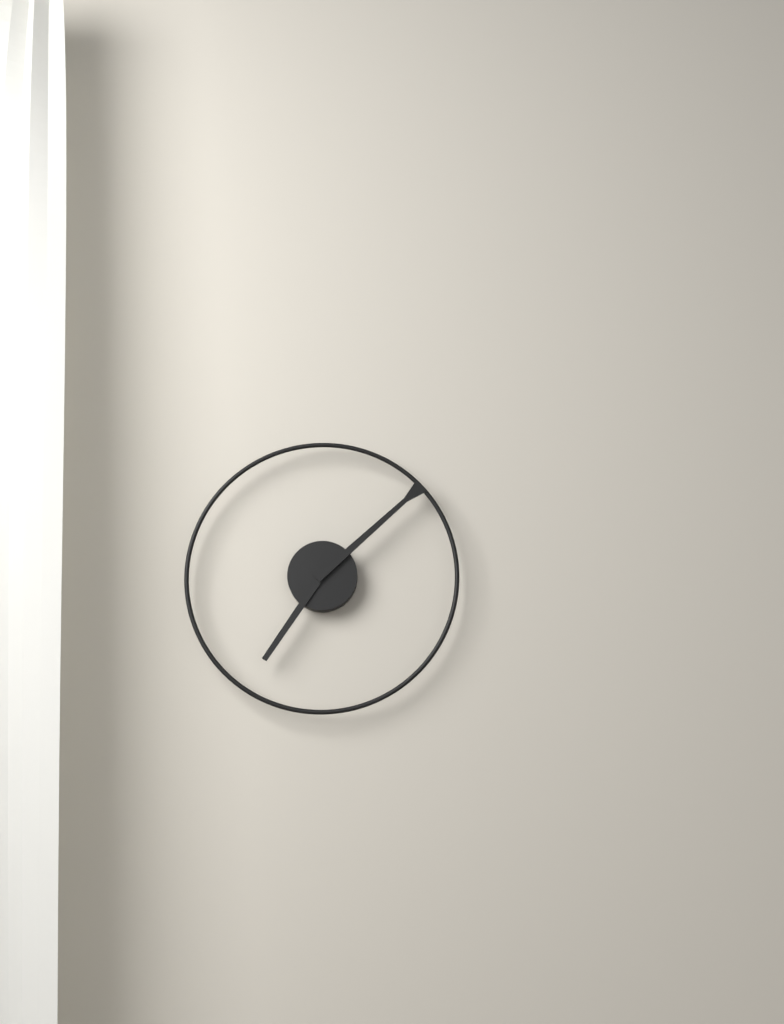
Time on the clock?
7:08
